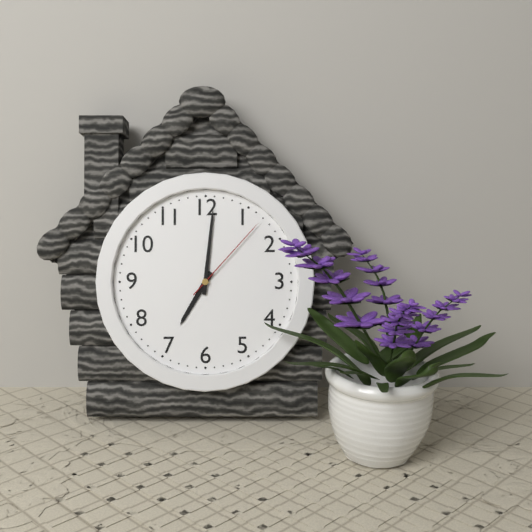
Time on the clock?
7:01:07
